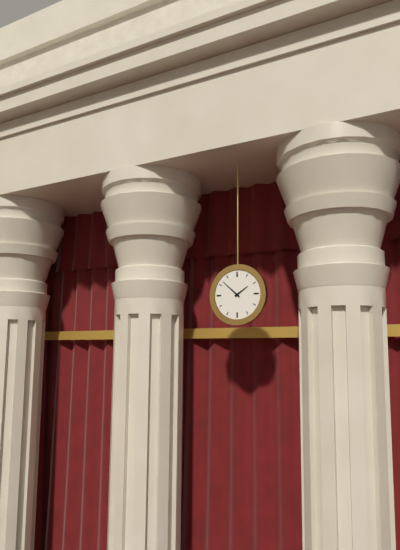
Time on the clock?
1:52
